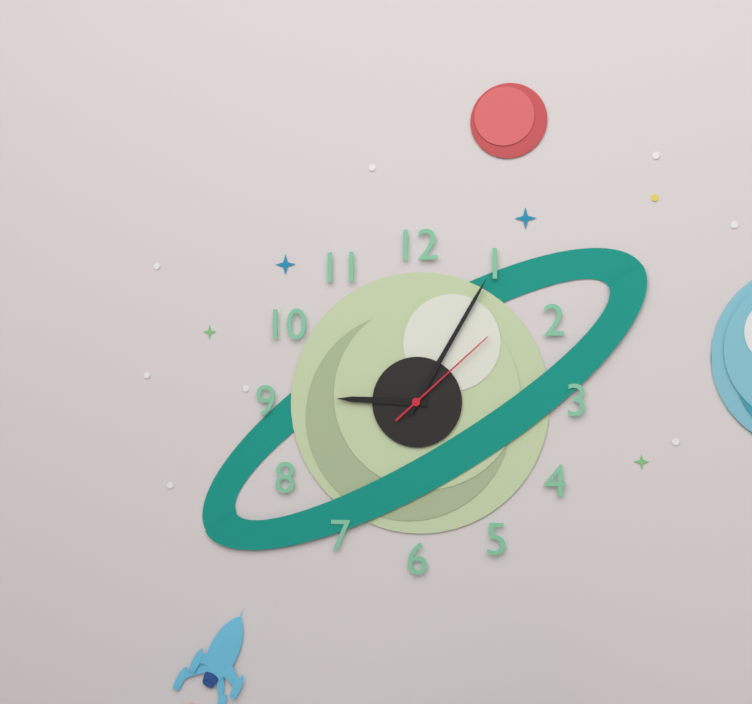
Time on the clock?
9:05:08
